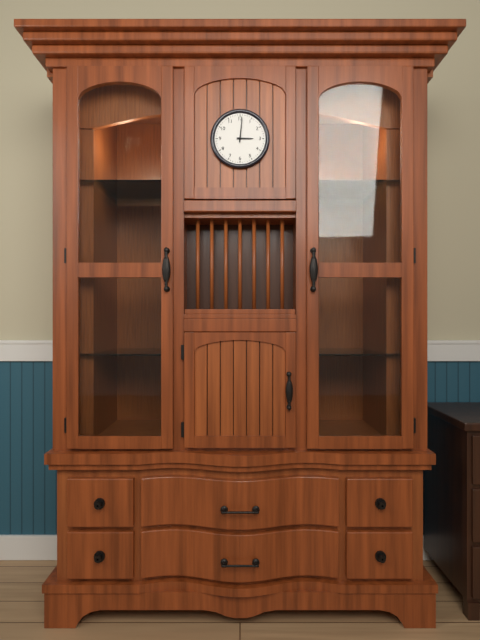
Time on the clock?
3:01
